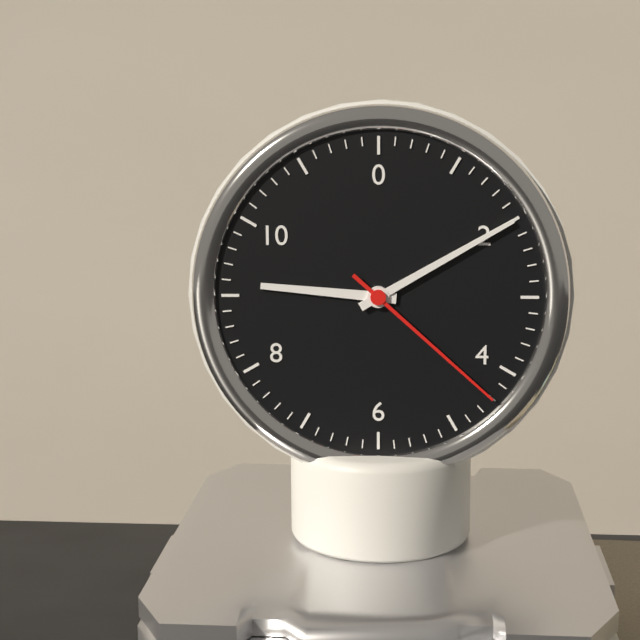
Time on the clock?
9:10:22
